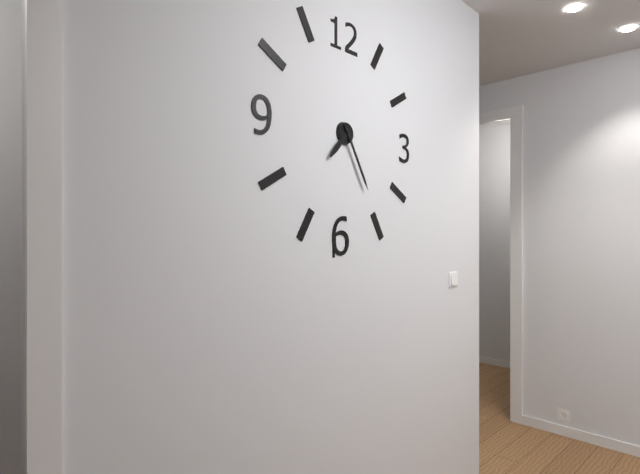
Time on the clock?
7:25
